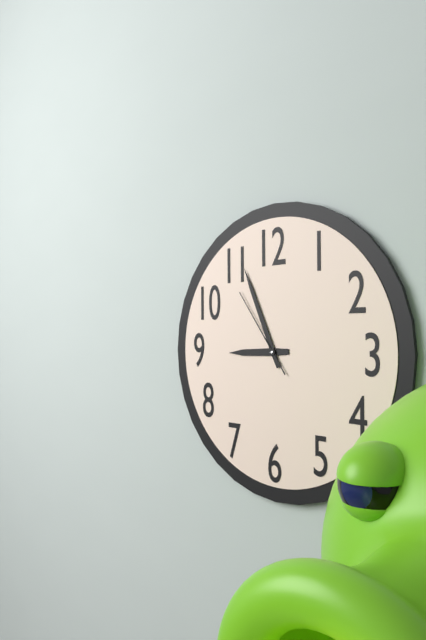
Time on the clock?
8:56:54
